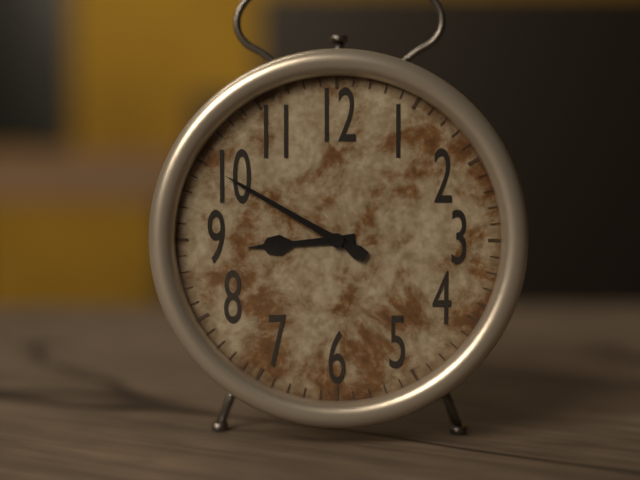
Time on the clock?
8:50
